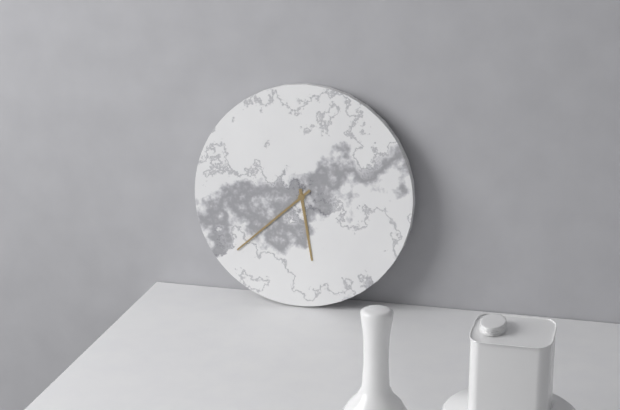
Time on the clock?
5:38
